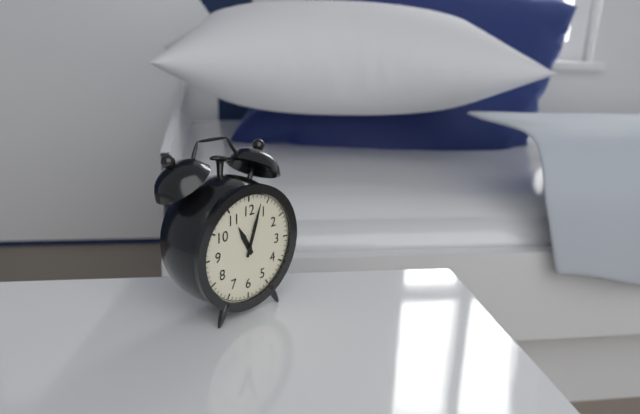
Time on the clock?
11:03
